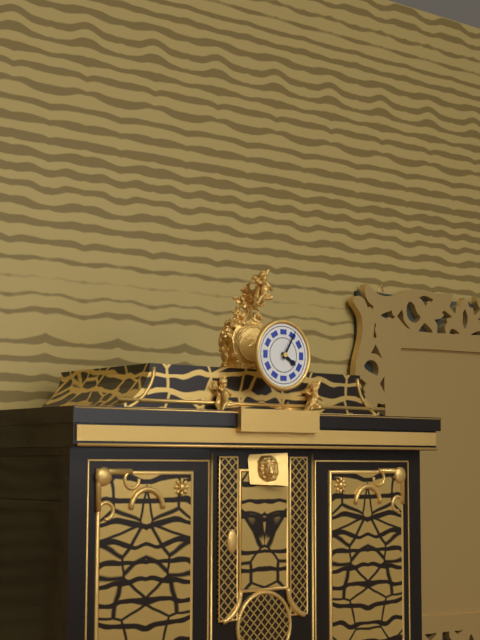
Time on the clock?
4:05
